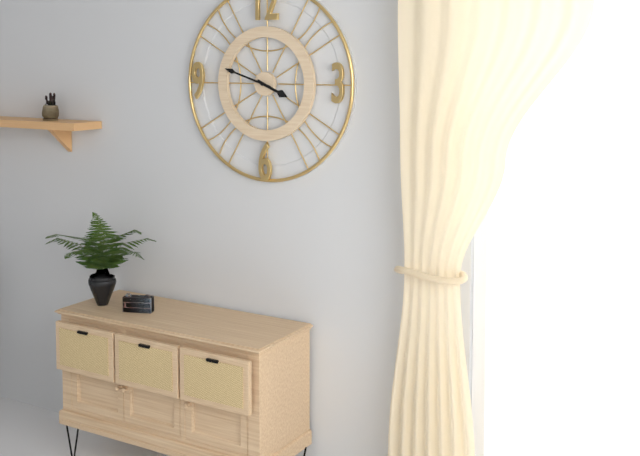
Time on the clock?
3:48
